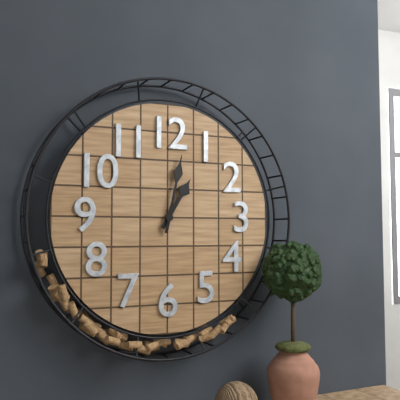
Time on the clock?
1:02
